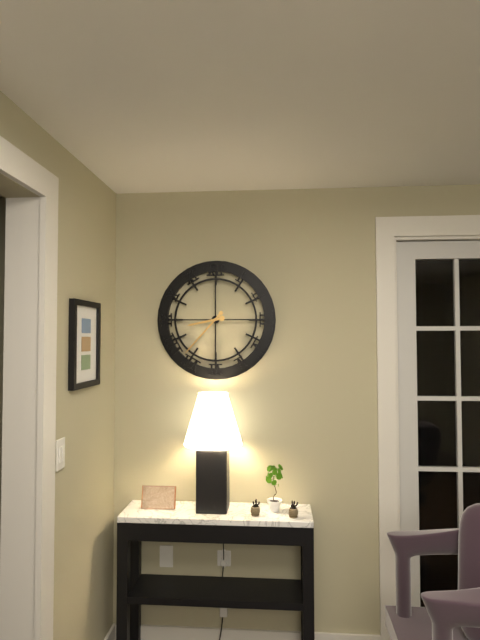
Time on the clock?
8:37
